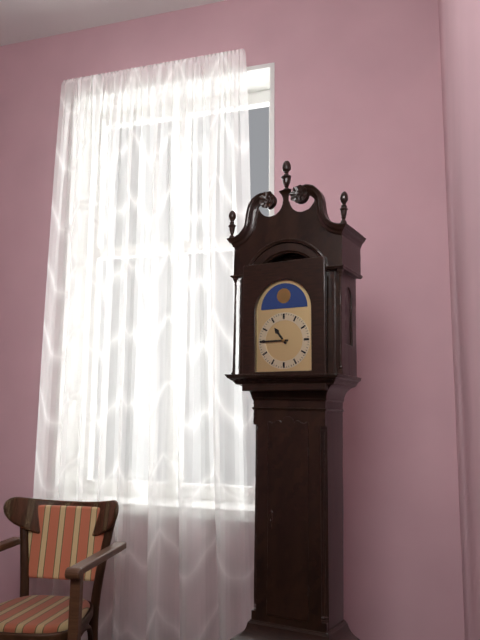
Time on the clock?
10:45
